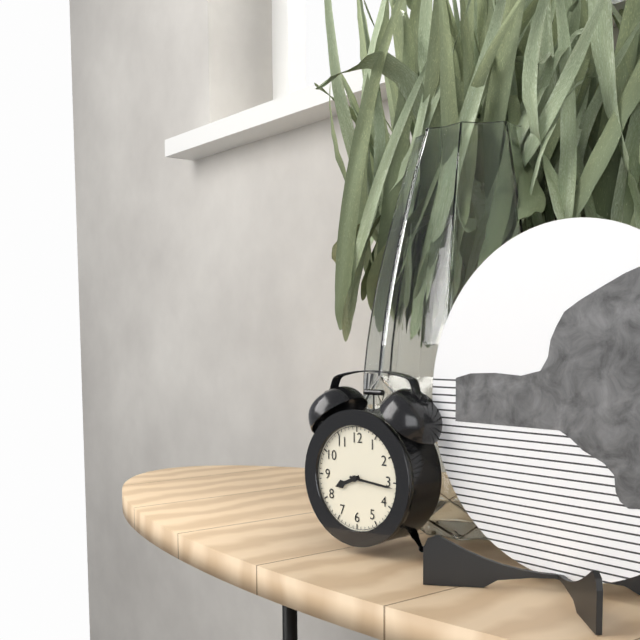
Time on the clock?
8:16
